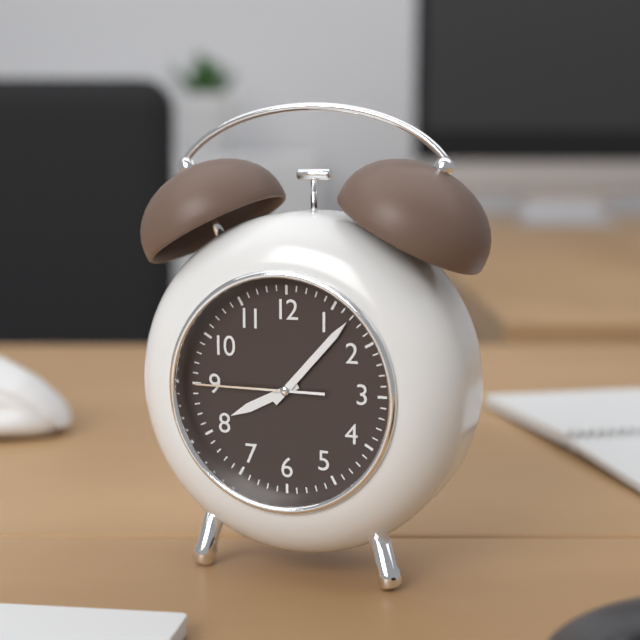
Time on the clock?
8:07:45
